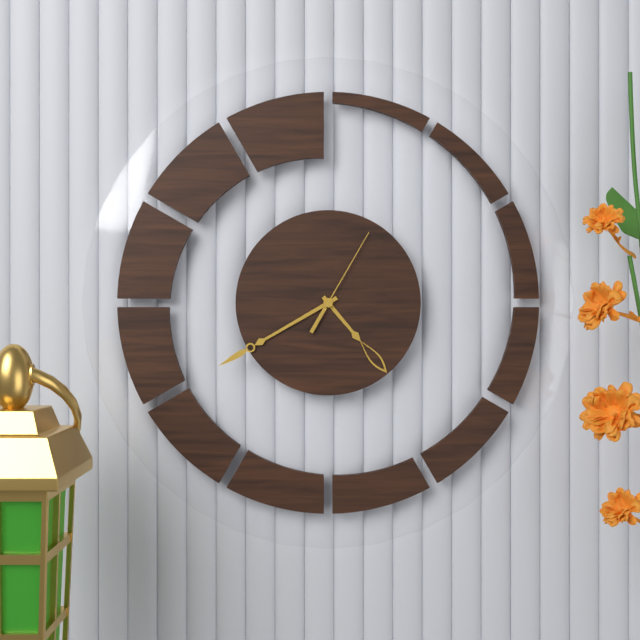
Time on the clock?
4:40:05
